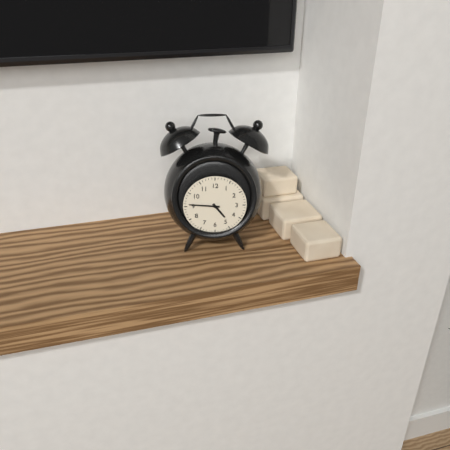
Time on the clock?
4:46
